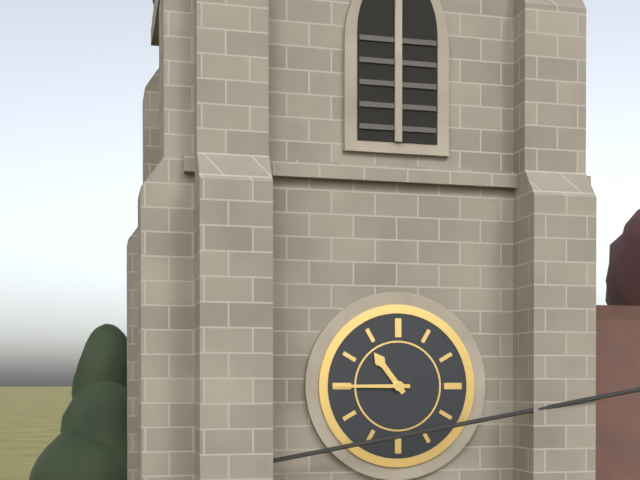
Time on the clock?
10:45
